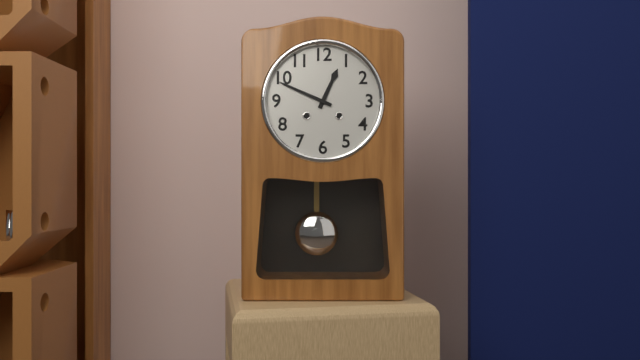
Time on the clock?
12:49
